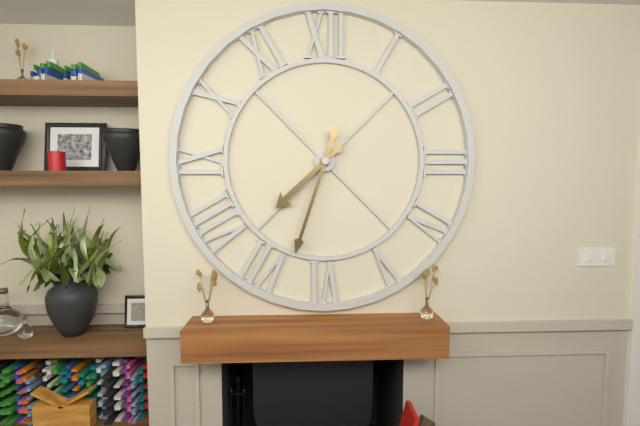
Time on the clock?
7:33
